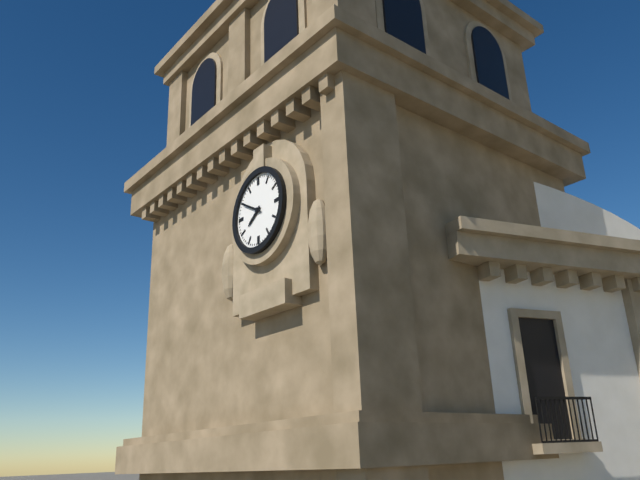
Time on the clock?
7:50
